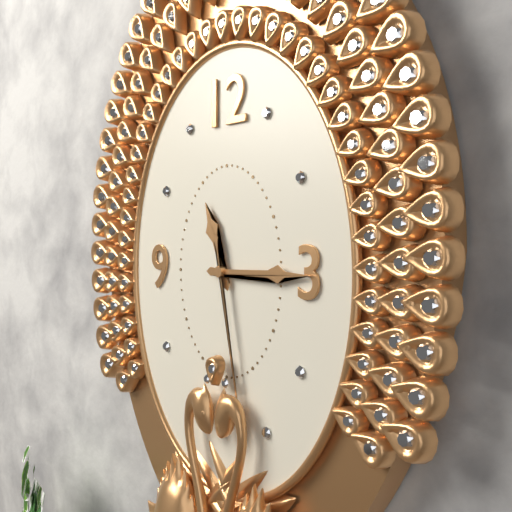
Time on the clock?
11:15:28
